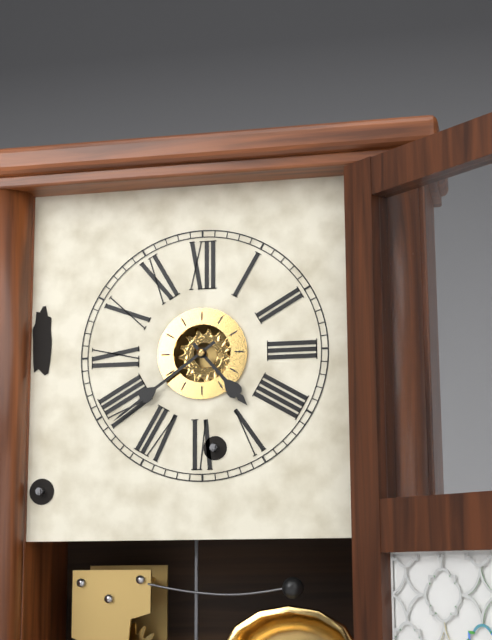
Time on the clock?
4:39
